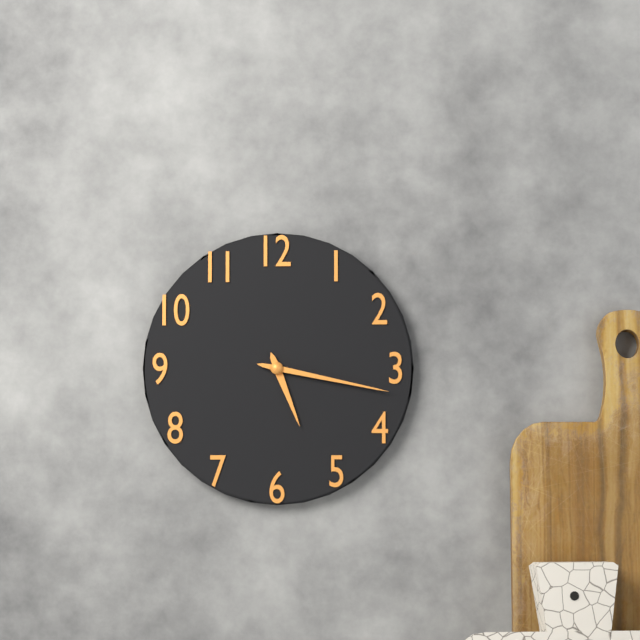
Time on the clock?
5:17
